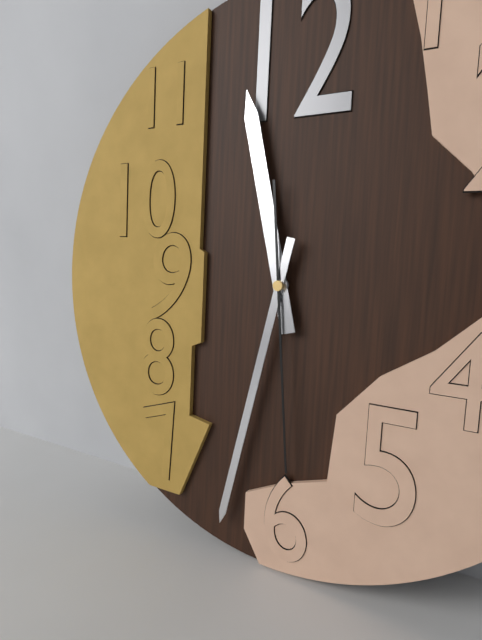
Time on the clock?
11:32:29
